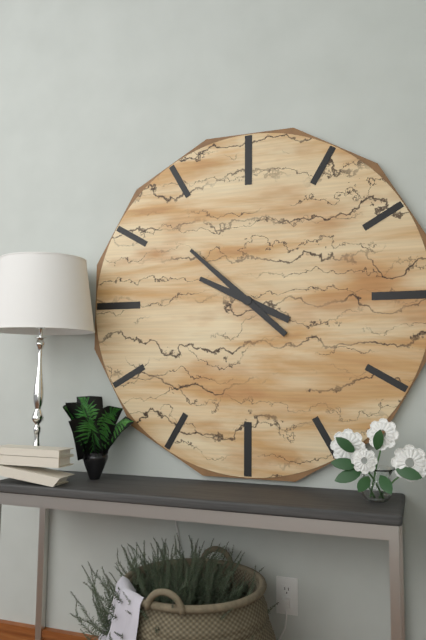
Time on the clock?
9:52
